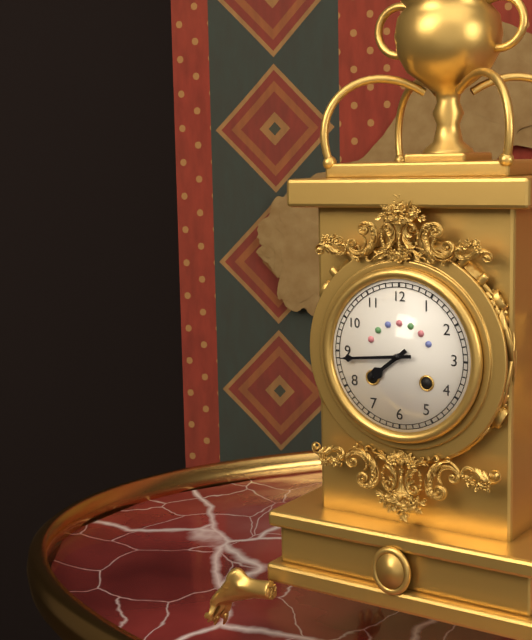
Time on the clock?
7:44
